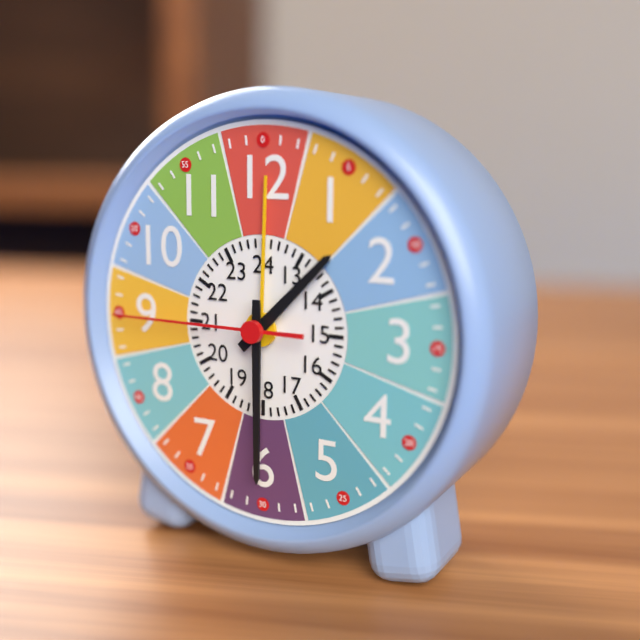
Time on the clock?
1:30:45
